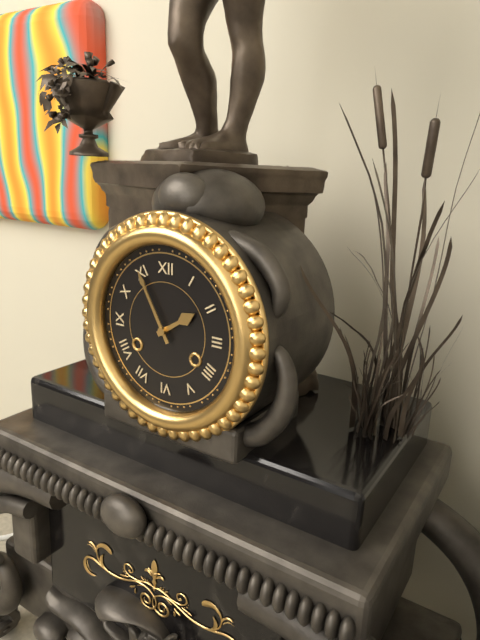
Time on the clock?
1:55
